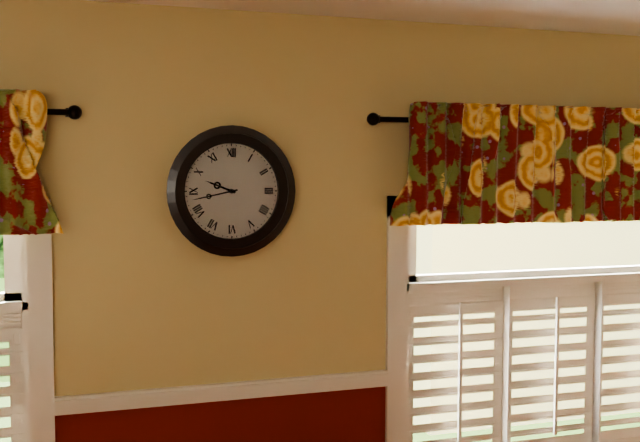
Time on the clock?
9:43
